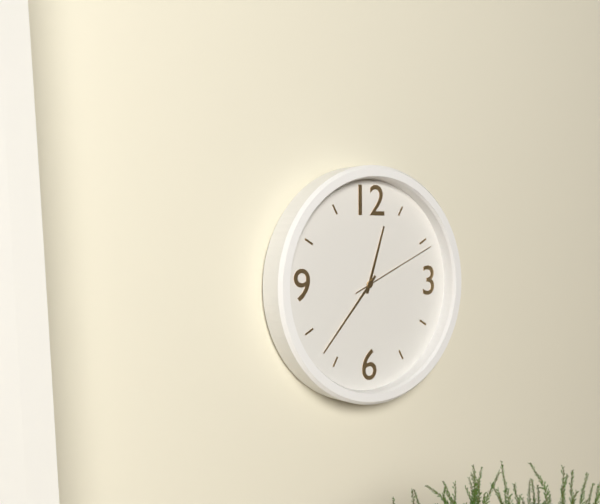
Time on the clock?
12:37:11
